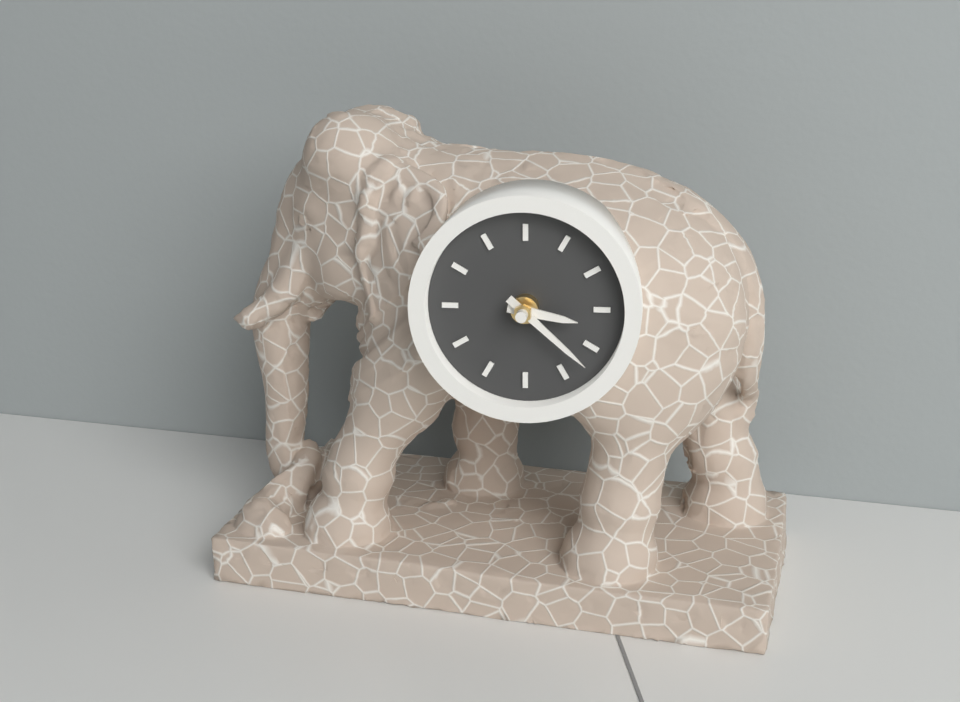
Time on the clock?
3:22
